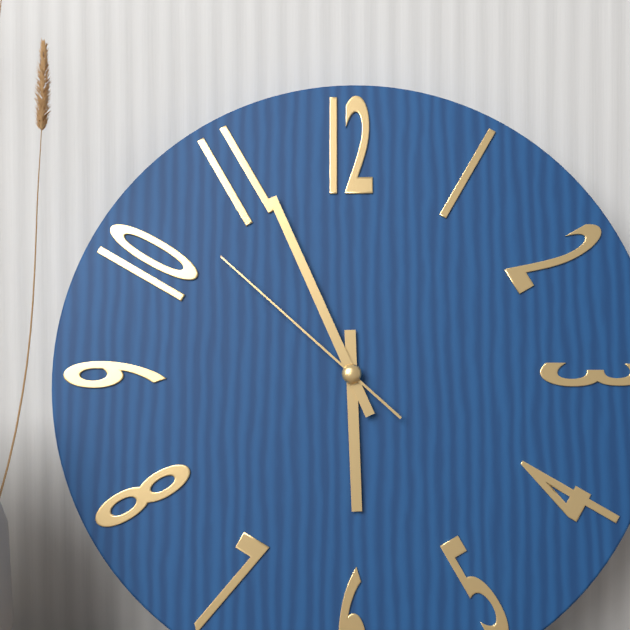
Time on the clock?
5:56:52
